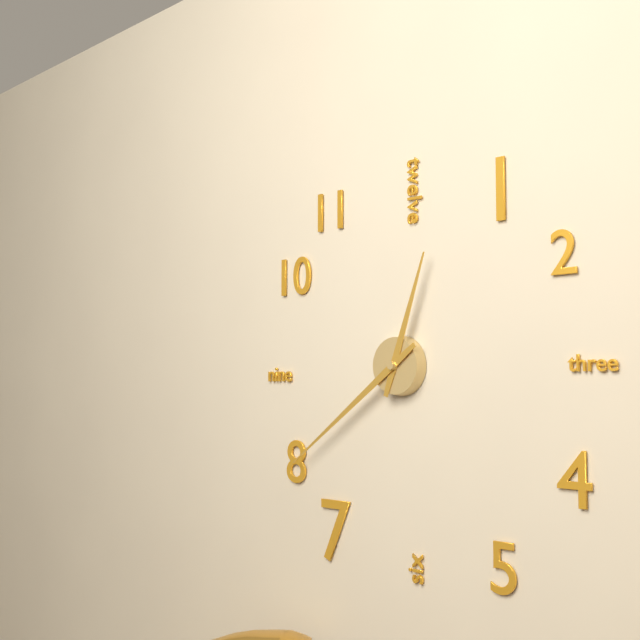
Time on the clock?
12:39
